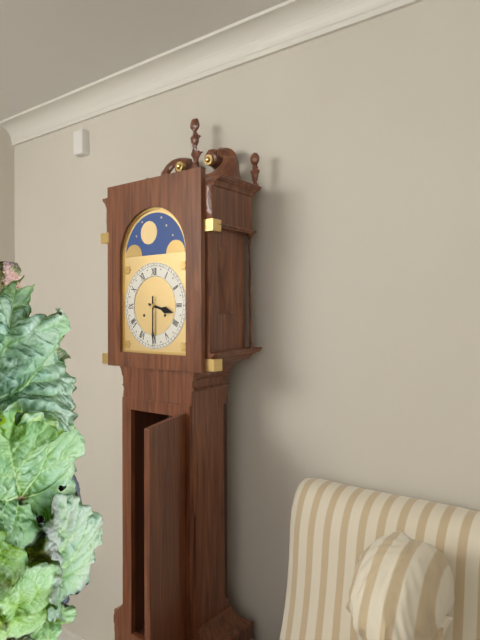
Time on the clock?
3:30
